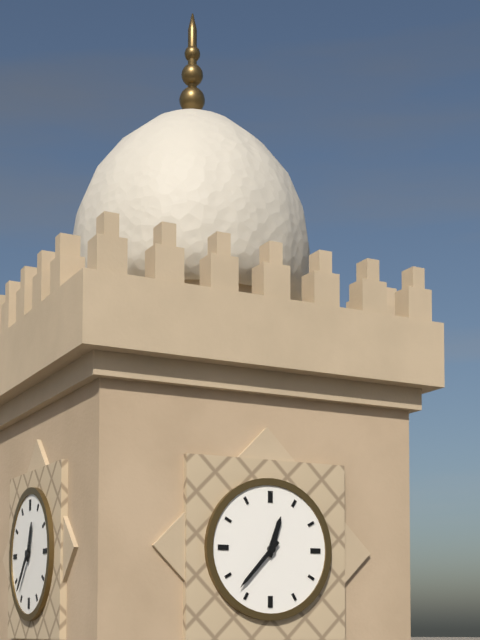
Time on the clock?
12:37
